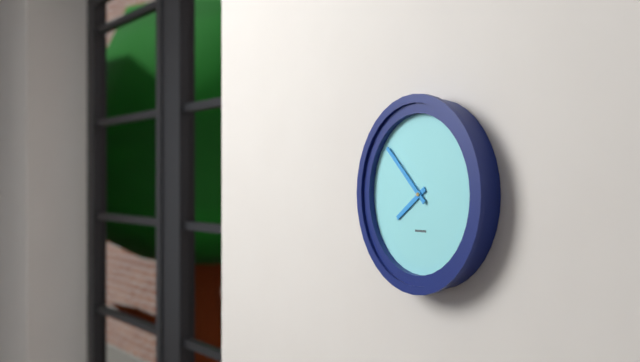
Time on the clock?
7:52
